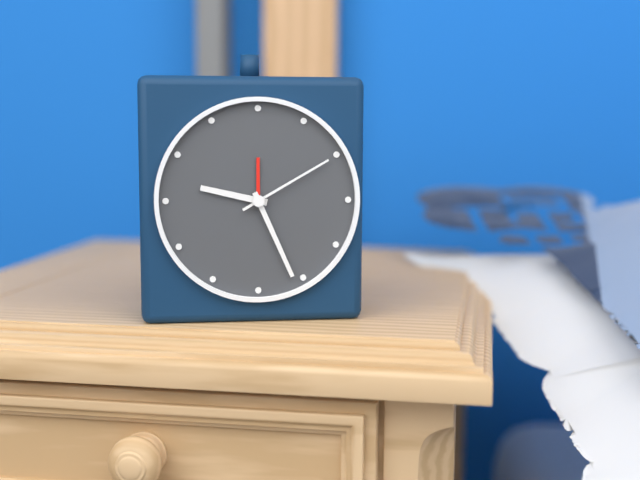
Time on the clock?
9:26:10
